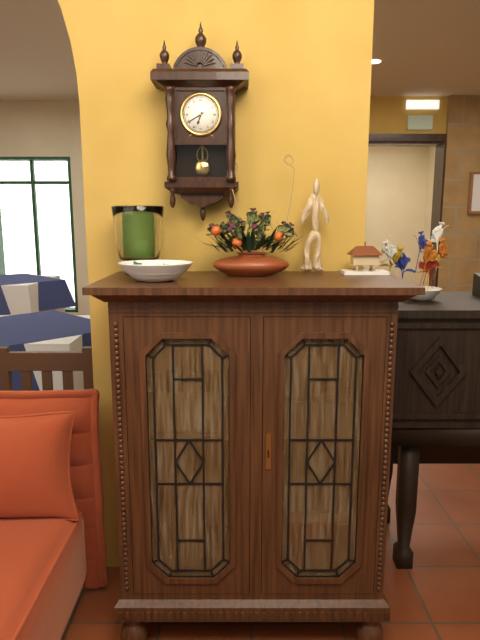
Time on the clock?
6:40
